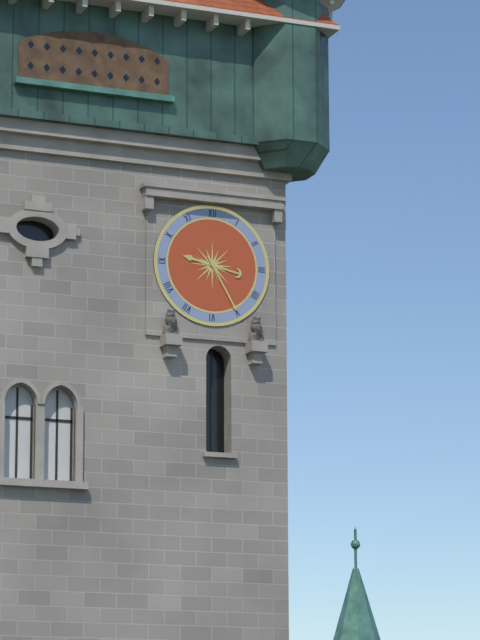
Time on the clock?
9:25
